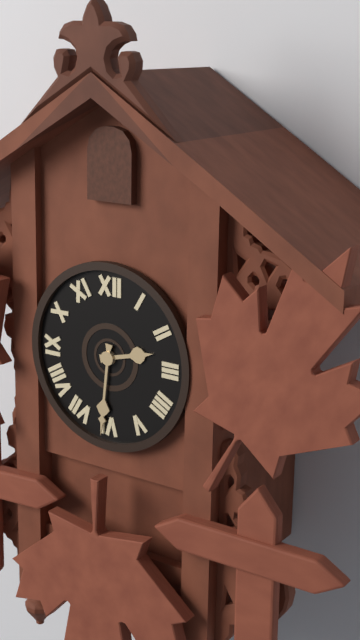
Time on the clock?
2:31
